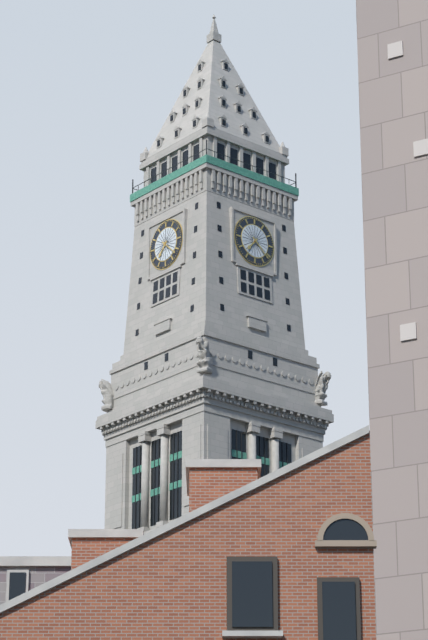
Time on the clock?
7:22
